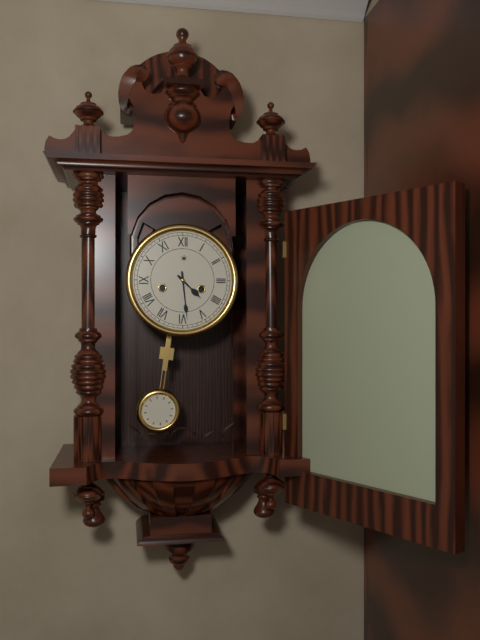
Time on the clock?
4:29
